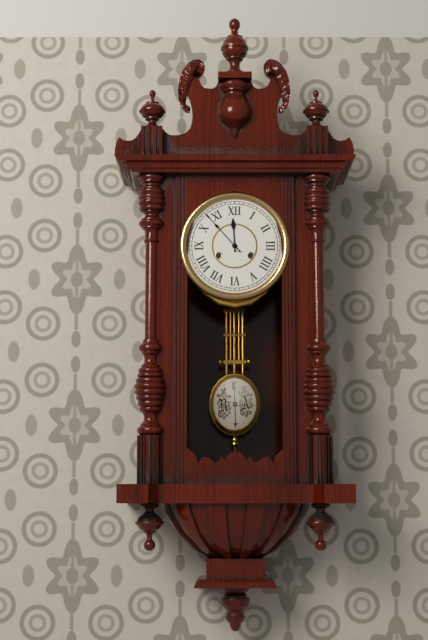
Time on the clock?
11:53
